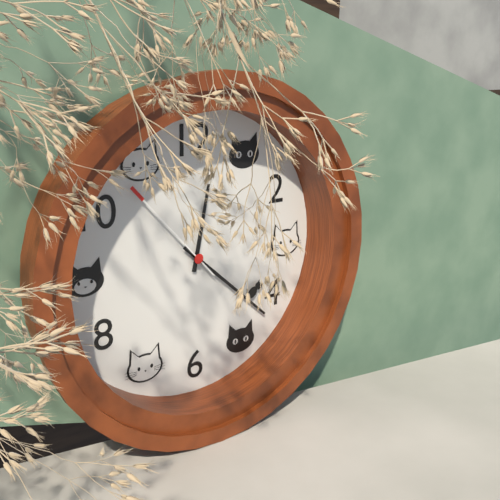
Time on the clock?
12:22:53
